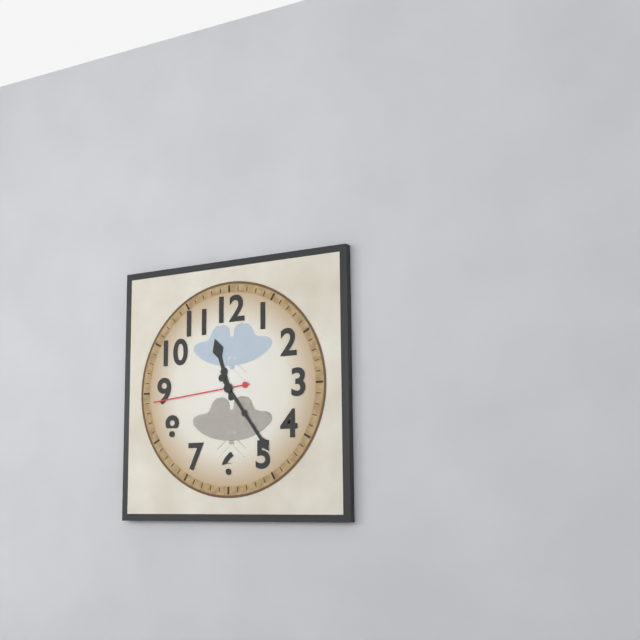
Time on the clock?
11:24:44
